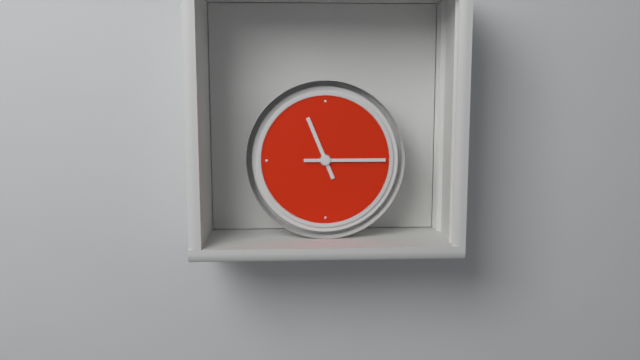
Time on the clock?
11:15
